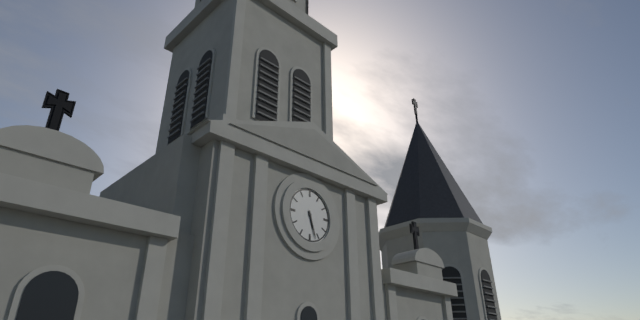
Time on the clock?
5:27
